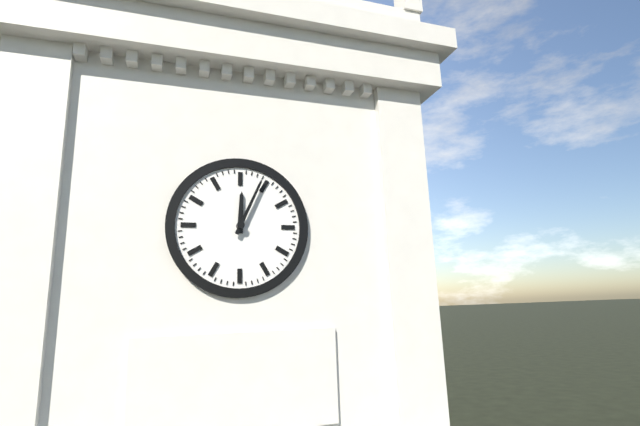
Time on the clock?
12:04
